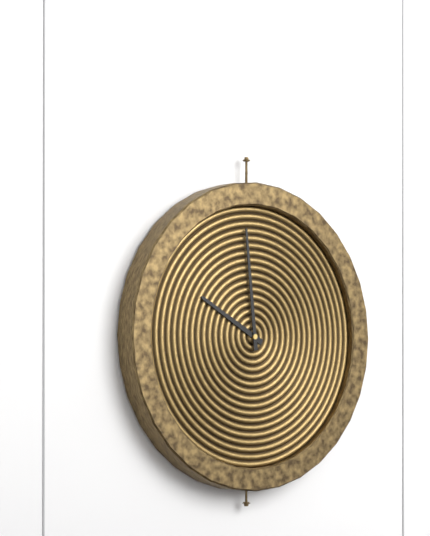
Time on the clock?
9:59
